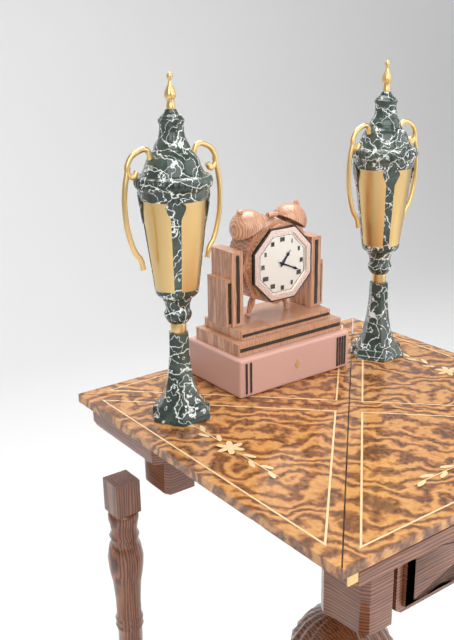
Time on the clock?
1:19
